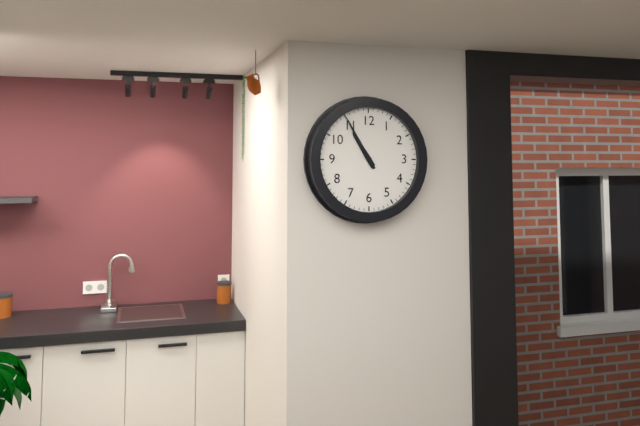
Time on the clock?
10:55
